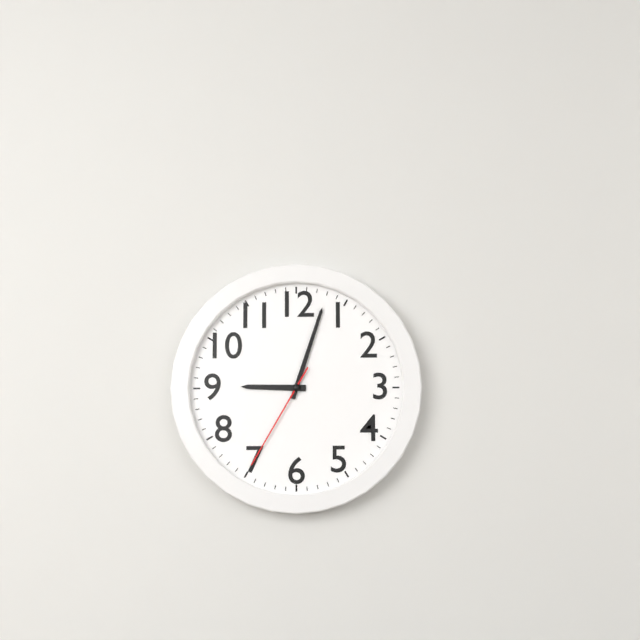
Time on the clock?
9:03:35
